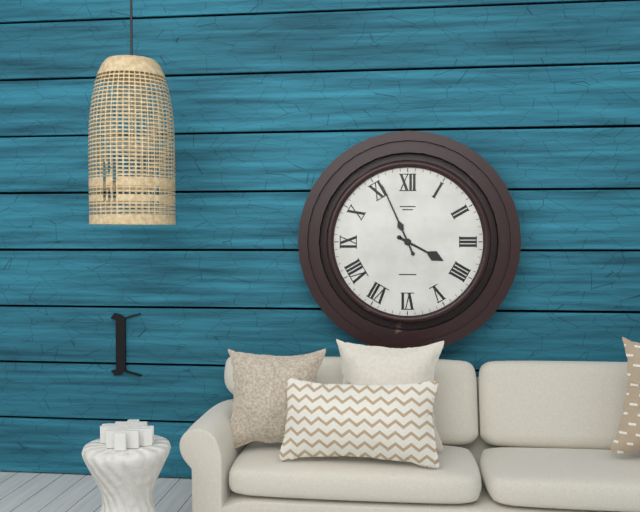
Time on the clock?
3:56
